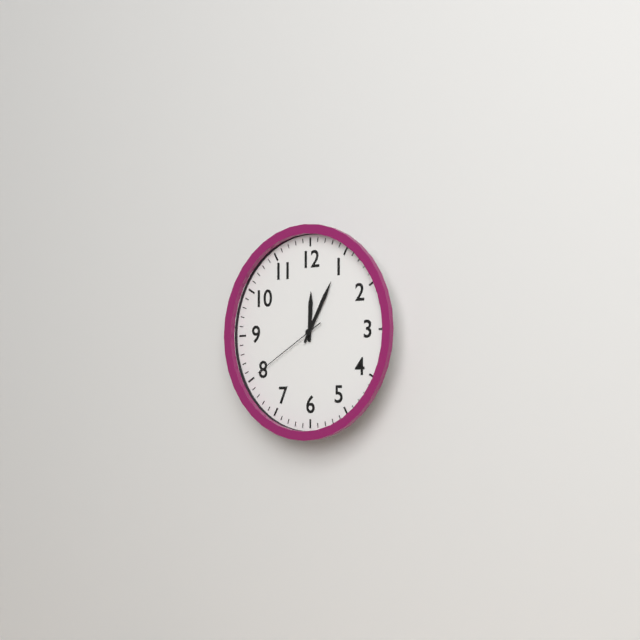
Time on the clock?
12:05:40
